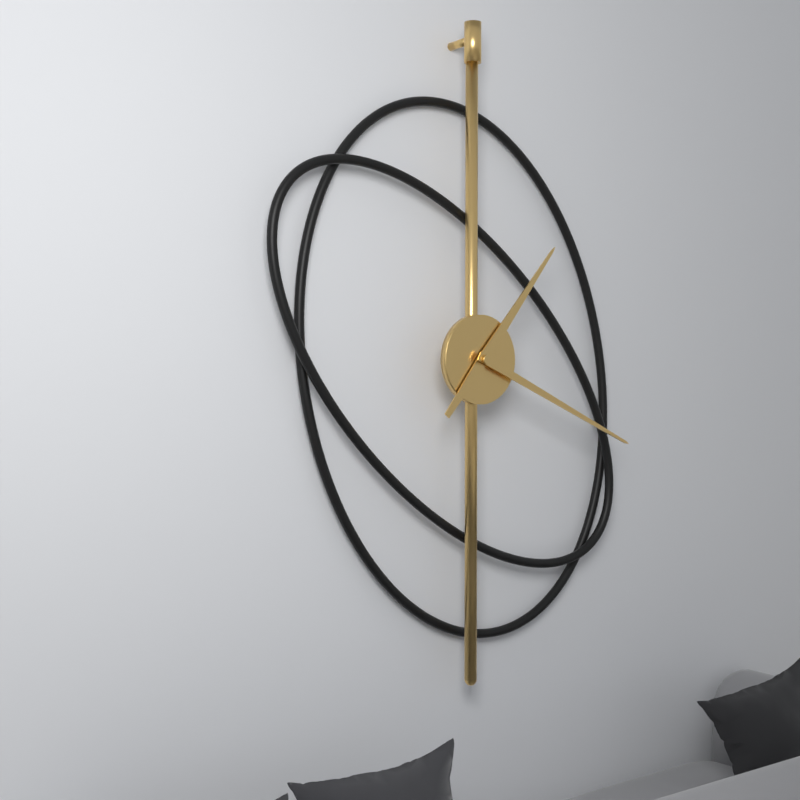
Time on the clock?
1:19
